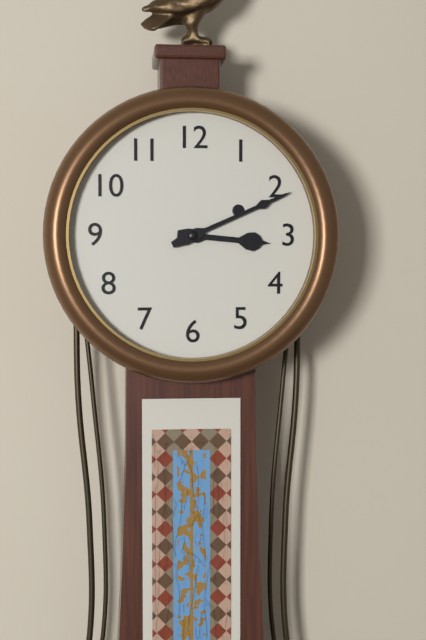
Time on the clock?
3:11
